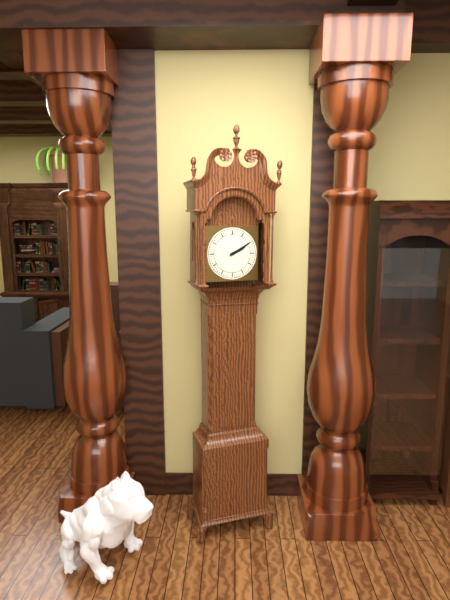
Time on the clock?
2:10
